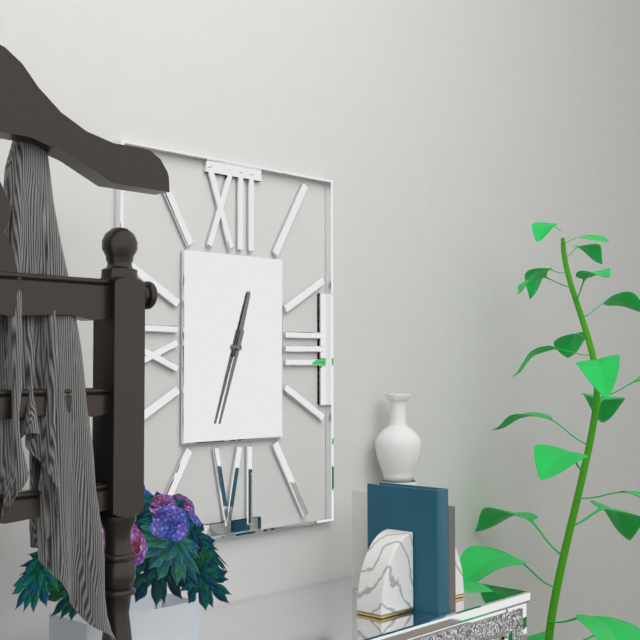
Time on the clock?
12:33
